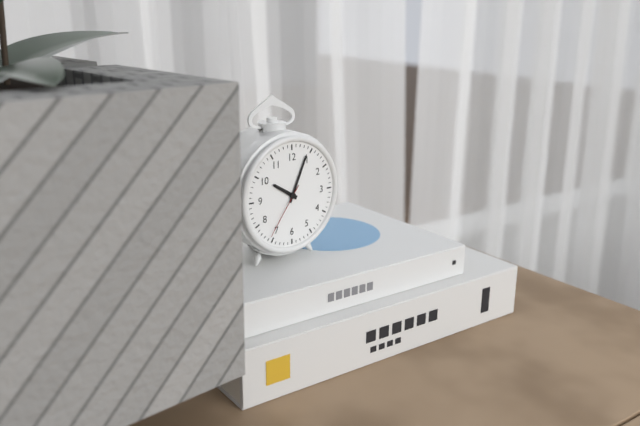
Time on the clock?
10:04:36
